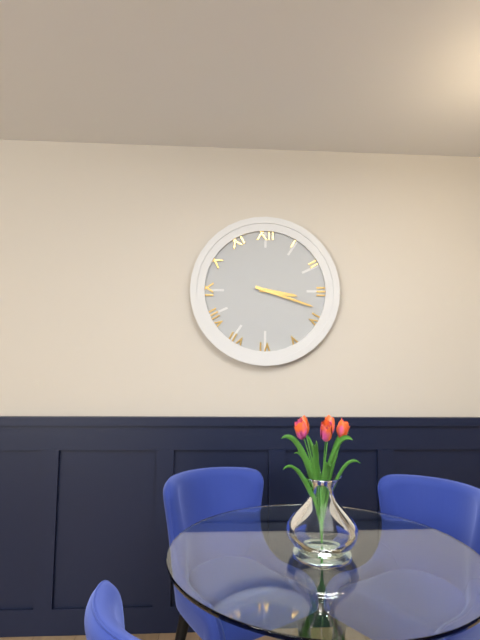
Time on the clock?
3:18
